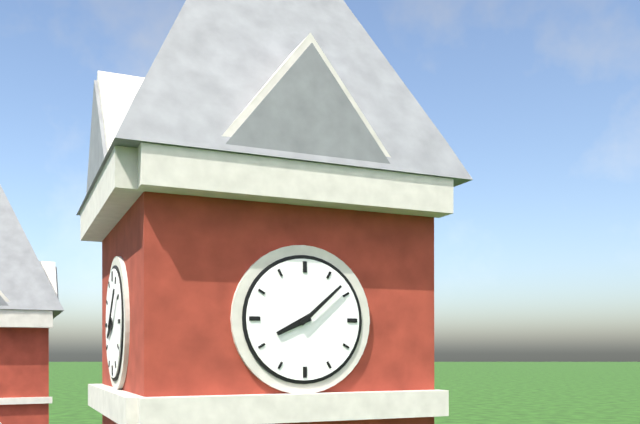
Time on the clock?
8:08
